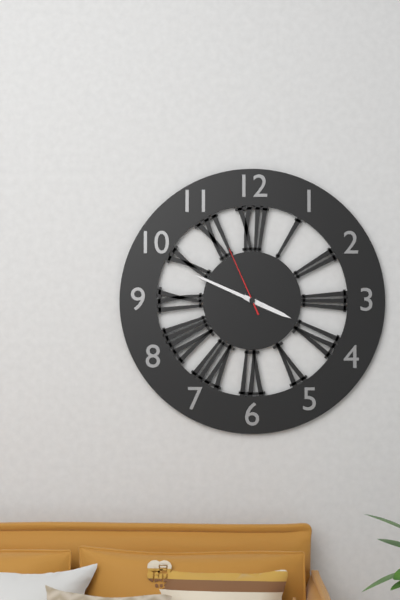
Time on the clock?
3:49:56
